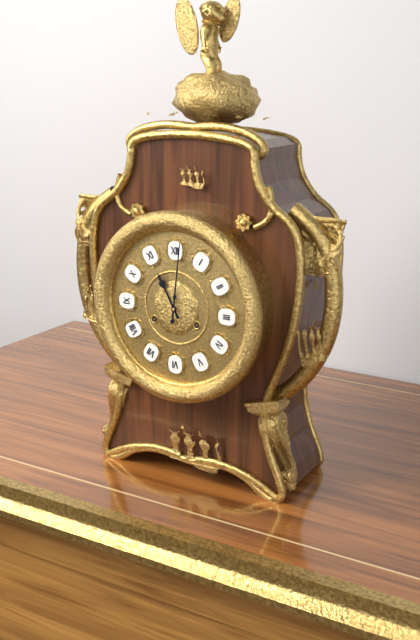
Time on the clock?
11:01
